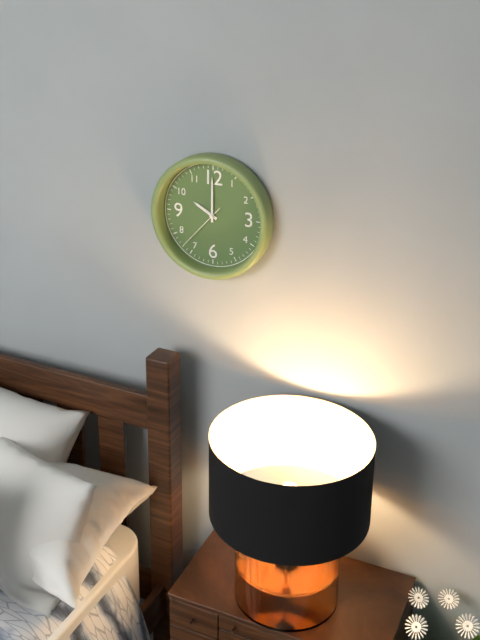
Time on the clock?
10:00:37
